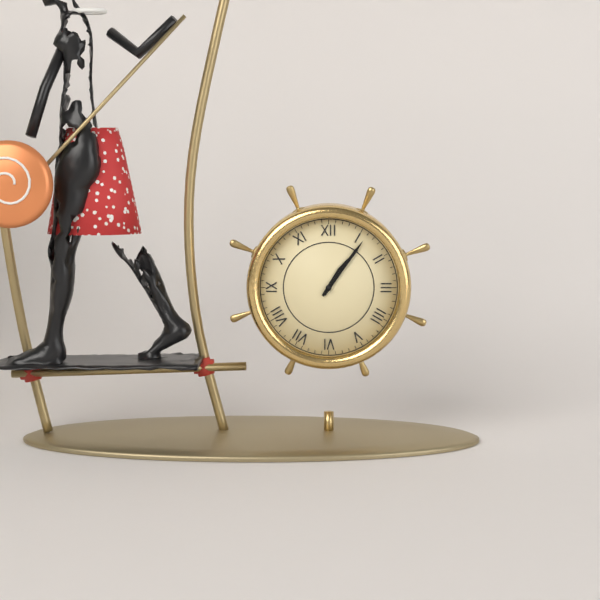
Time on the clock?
1:06
